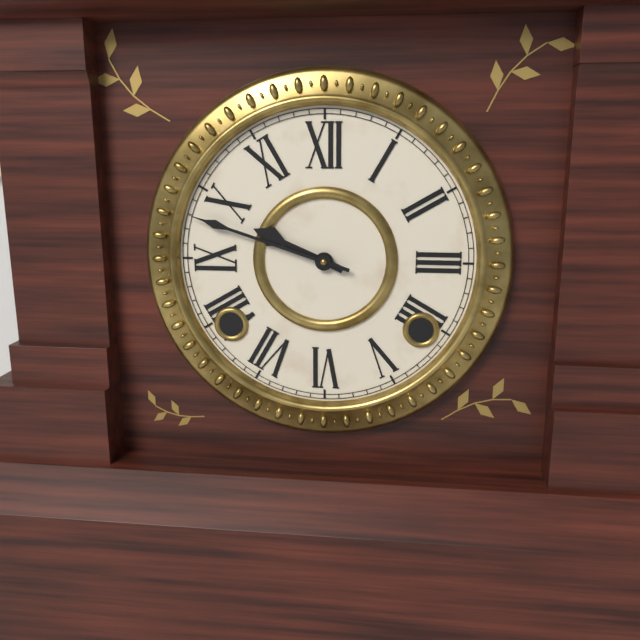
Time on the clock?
9:48
